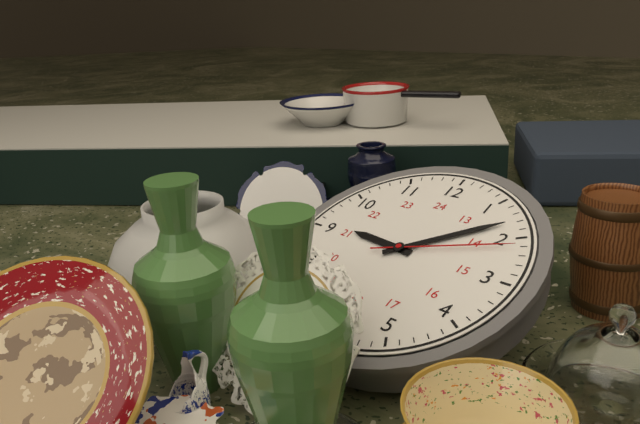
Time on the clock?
9:08:11
